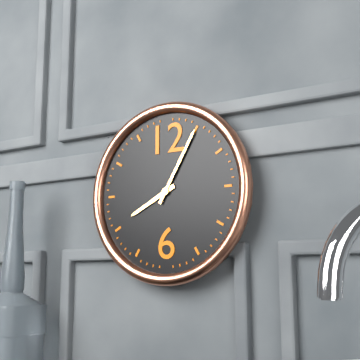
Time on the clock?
8:05
